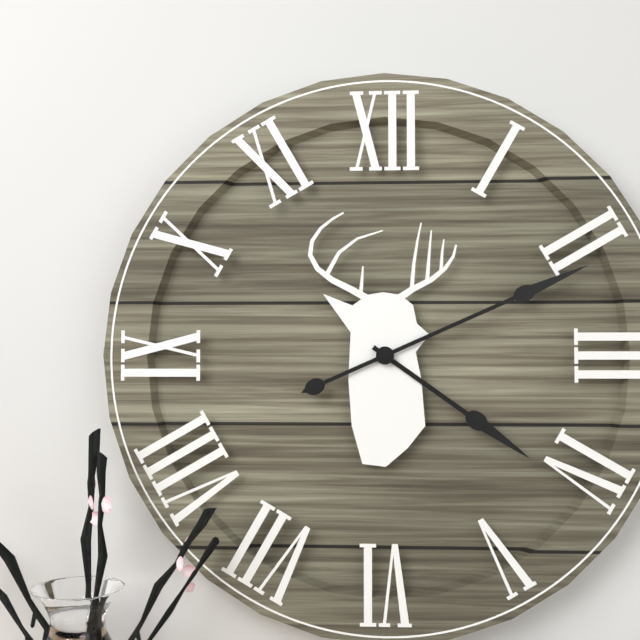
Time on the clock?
4:11
